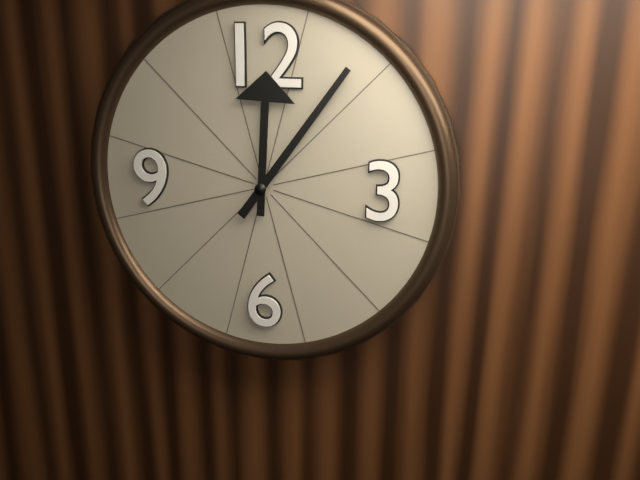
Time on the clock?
12:06
